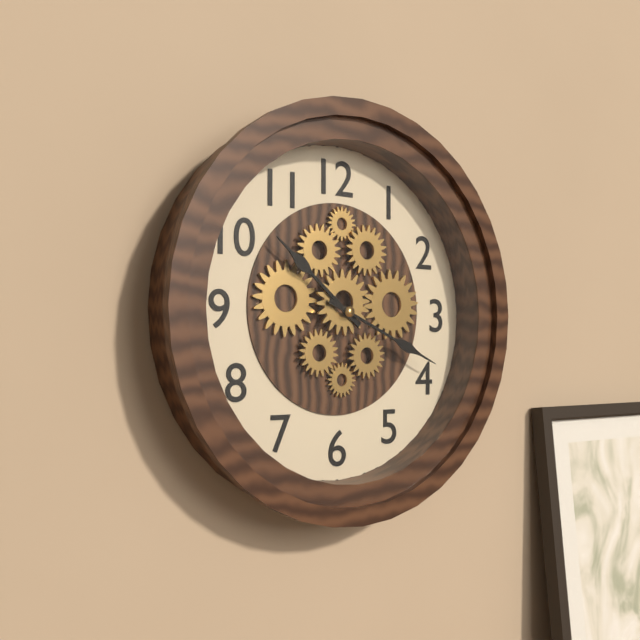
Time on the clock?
10:19
